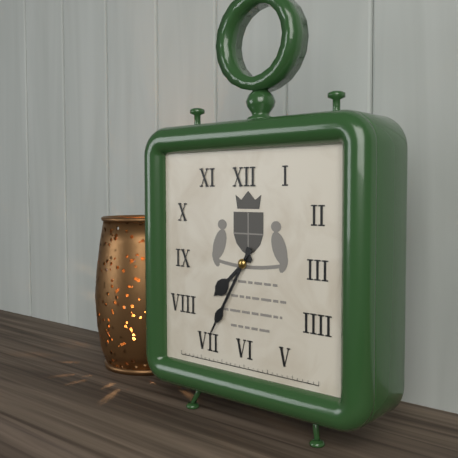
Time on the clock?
7:35
